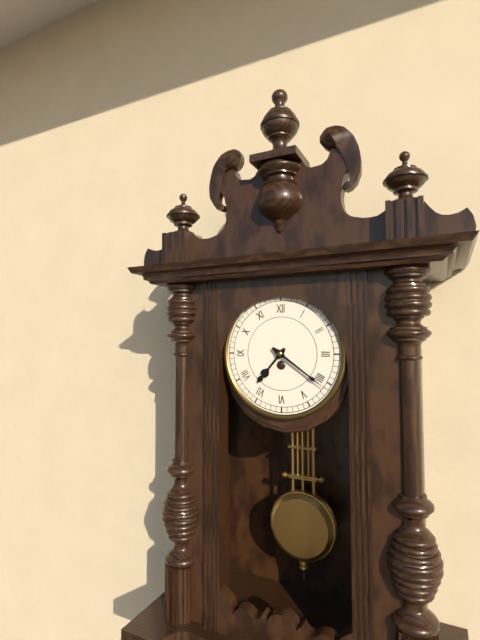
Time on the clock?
7:21
